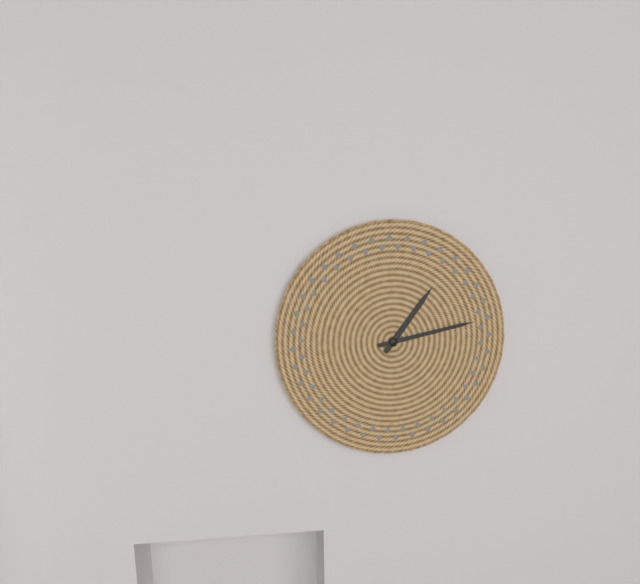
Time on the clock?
1:13
